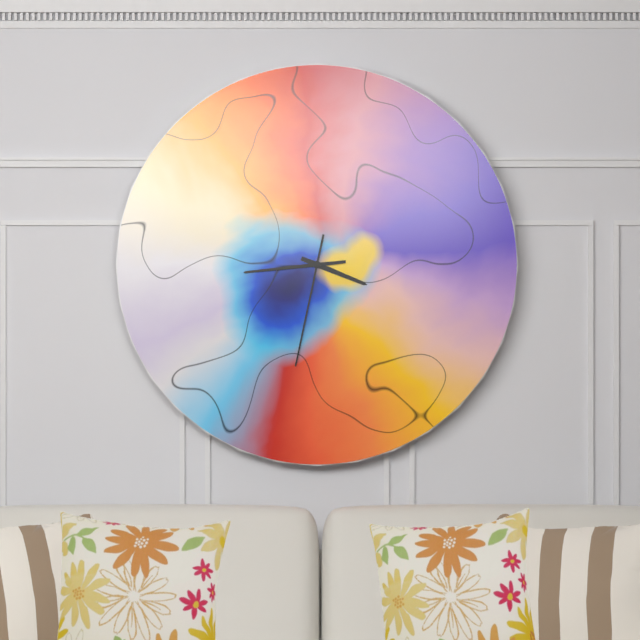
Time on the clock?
3:44:32
